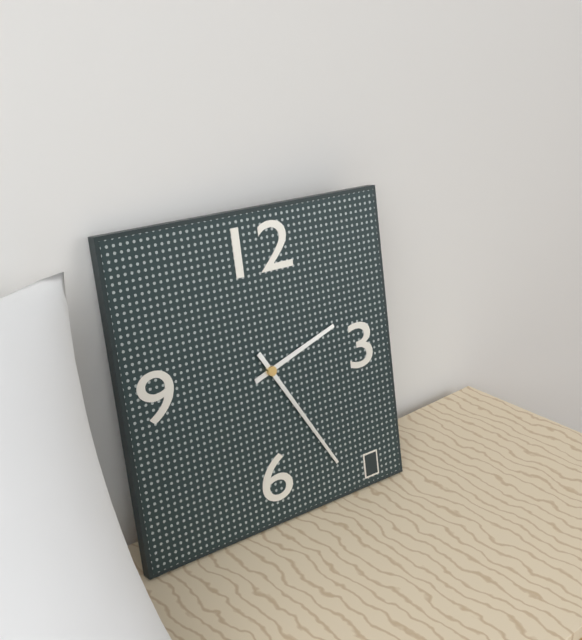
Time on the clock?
2:25
